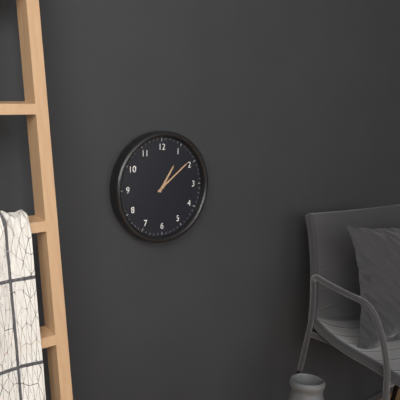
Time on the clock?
1:09
